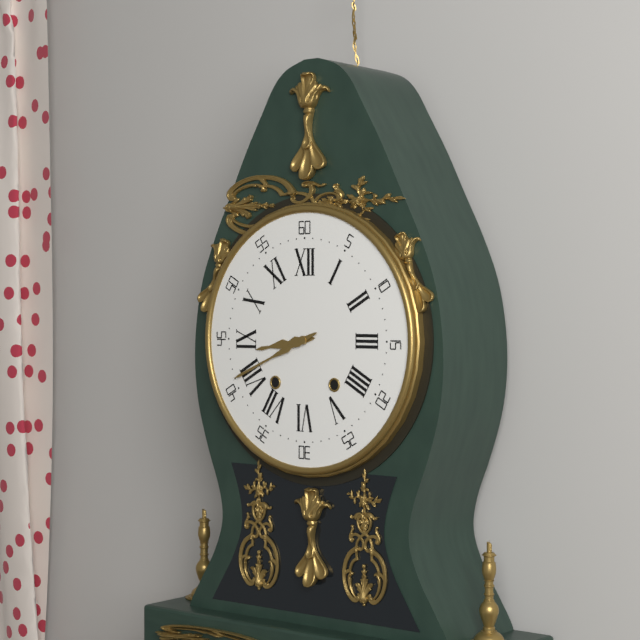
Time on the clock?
8:41
